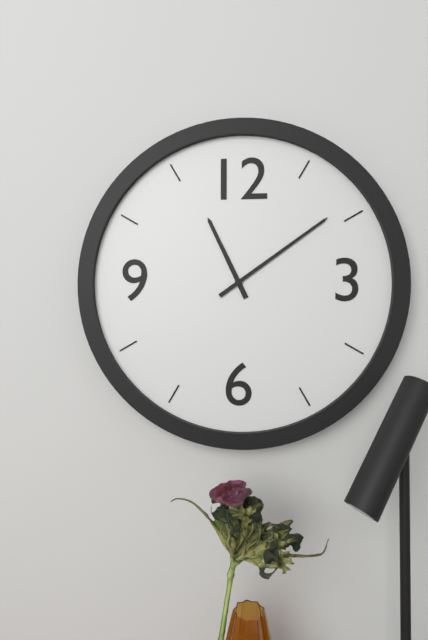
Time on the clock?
11:09
